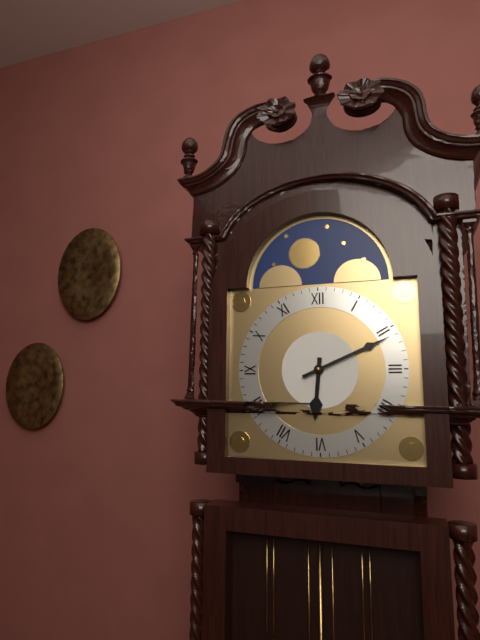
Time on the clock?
6:11
